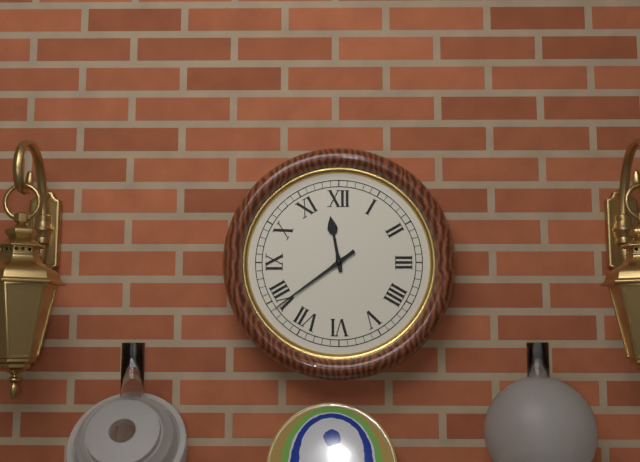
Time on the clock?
11:39
